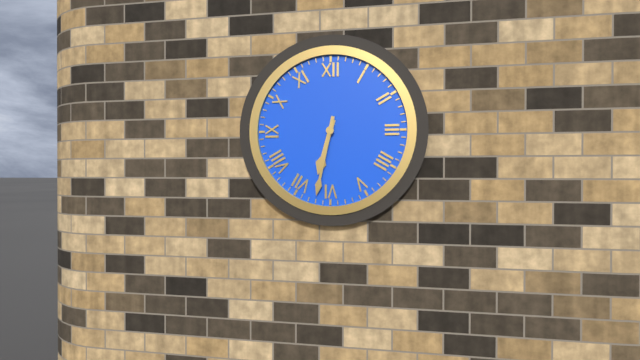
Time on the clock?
6:32
